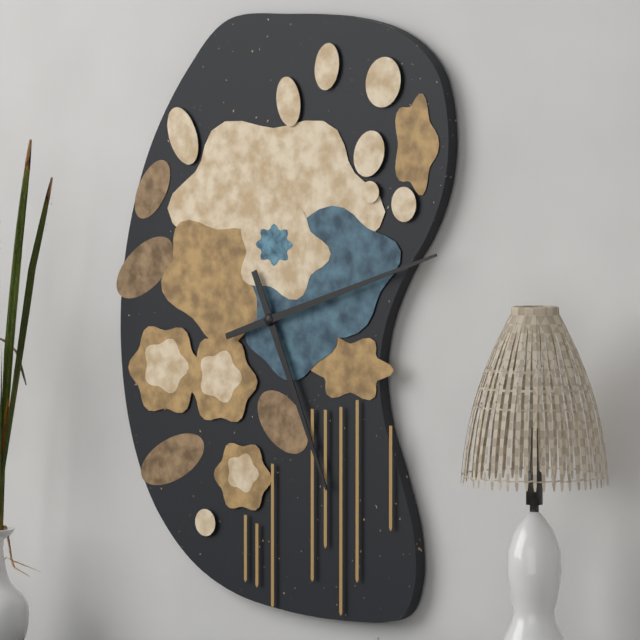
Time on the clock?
5:12
